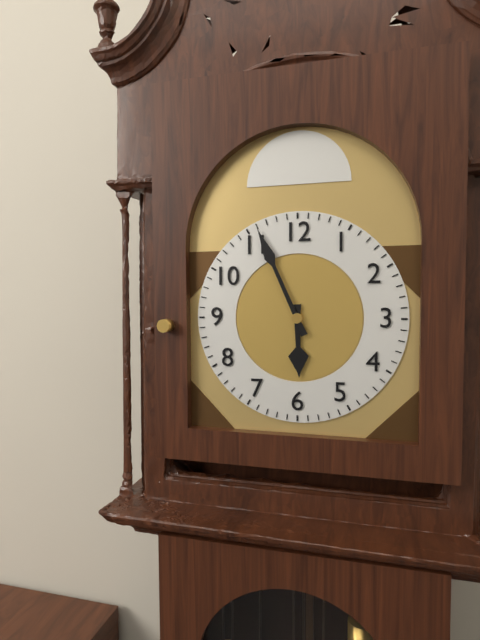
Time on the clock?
5:56
